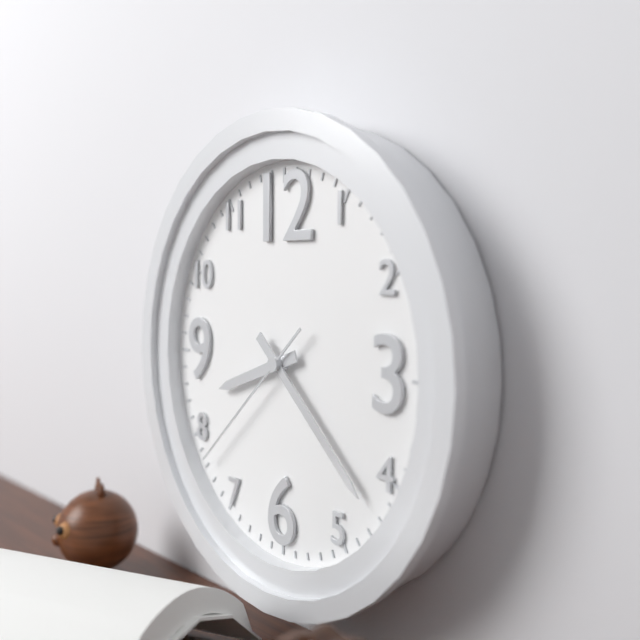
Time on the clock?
8:22:38
